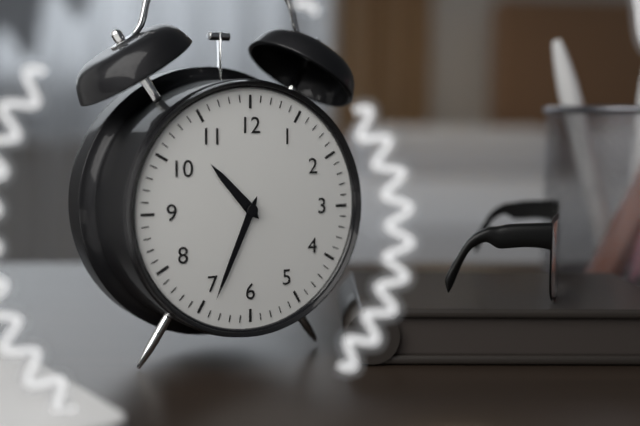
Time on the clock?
10:34
